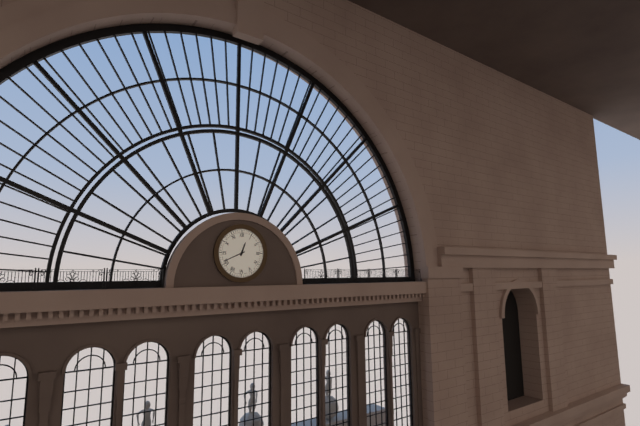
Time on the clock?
12:41
